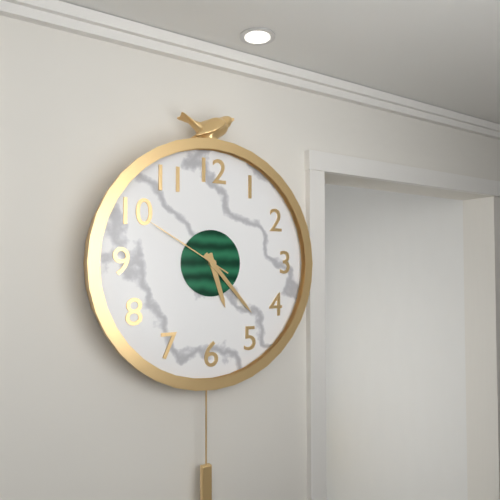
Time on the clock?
5:23:50
